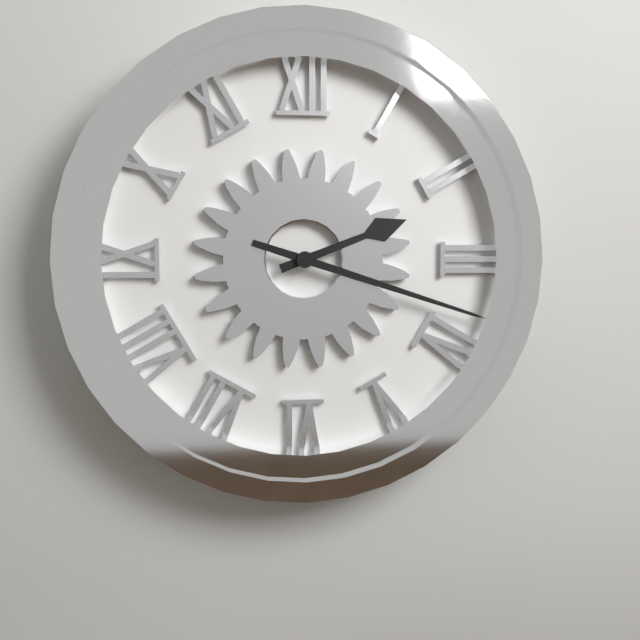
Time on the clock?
2:18
